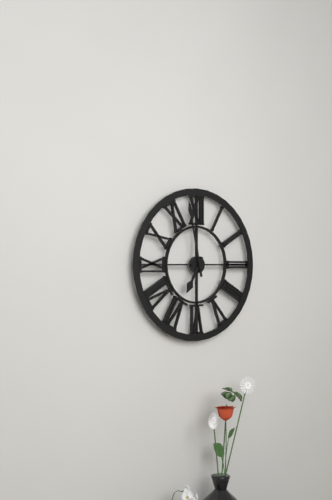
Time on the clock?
6:58
